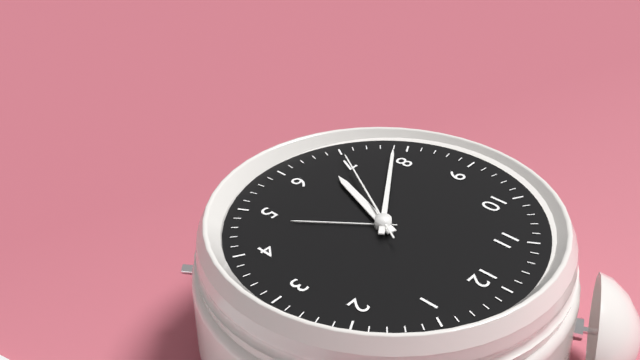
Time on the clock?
6:39:35
